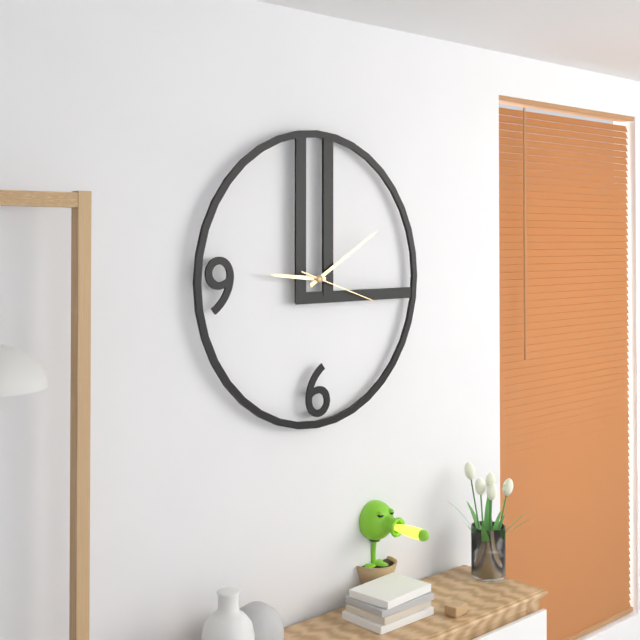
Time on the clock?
9:10:18
